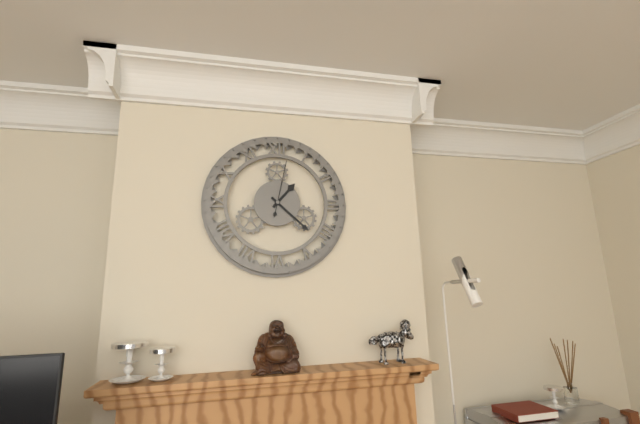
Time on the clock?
1:22:02
